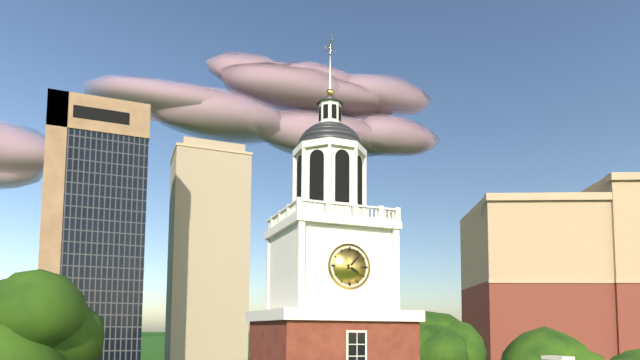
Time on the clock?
4:07
